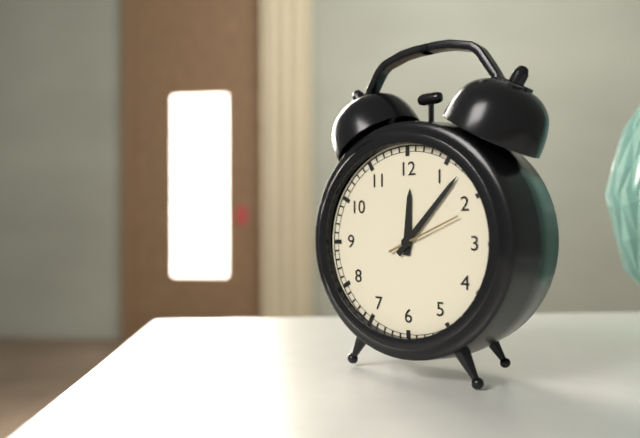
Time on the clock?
12:07:11
